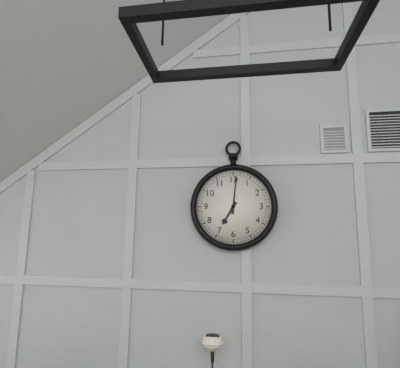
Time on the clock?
7:01
